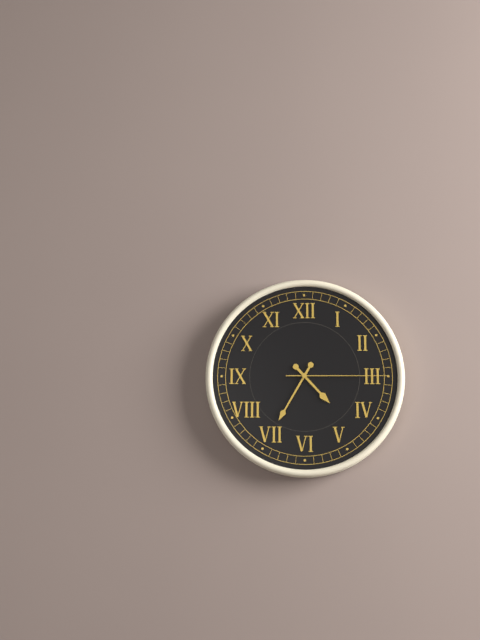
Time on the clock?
4:35:15
